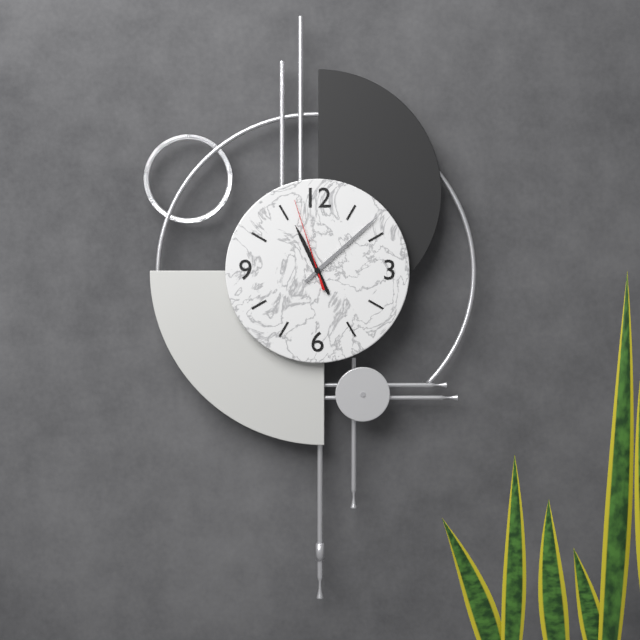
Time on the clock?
11:08:57
